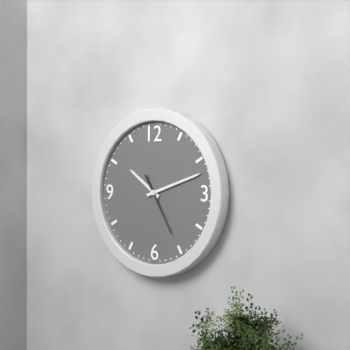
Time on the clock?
10:12:25
